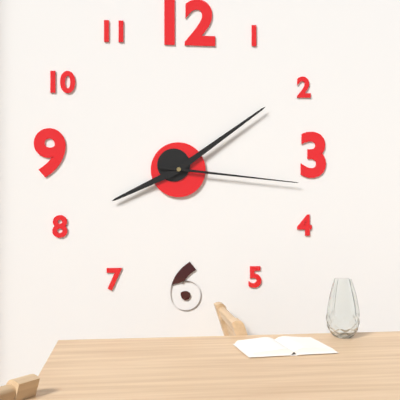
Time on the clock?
8:09:16
